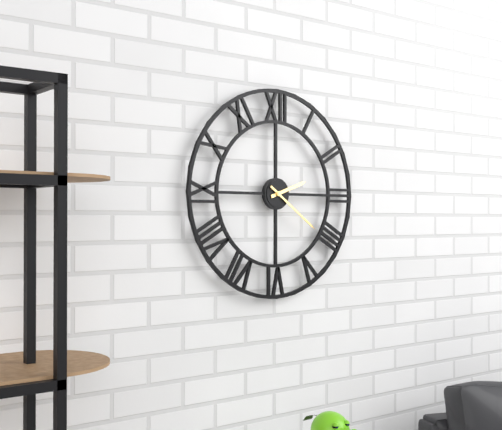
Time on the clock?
2:21
